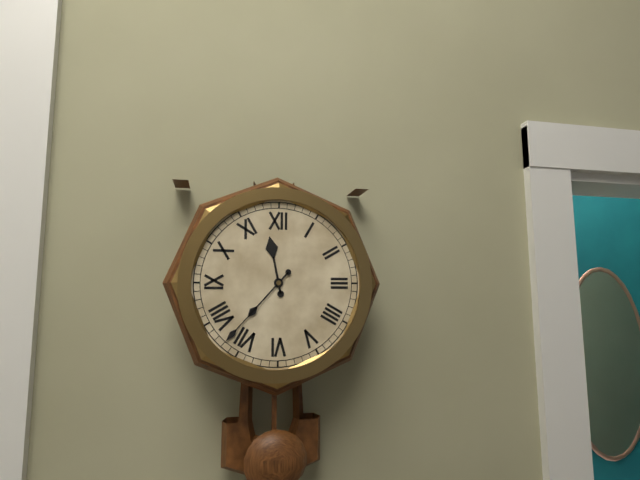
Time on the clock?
11:37
